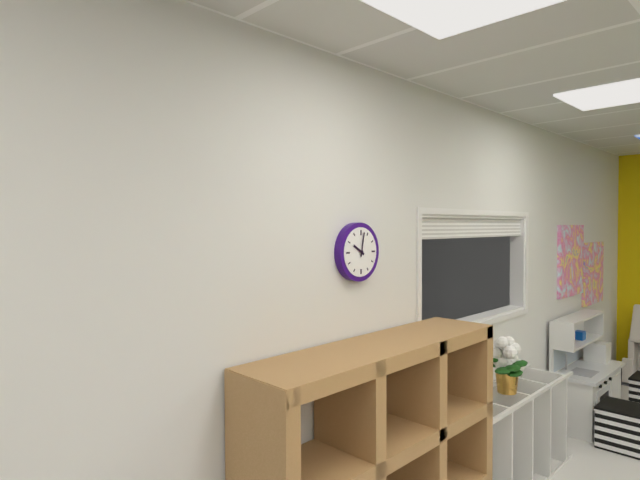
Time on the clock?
10:02
